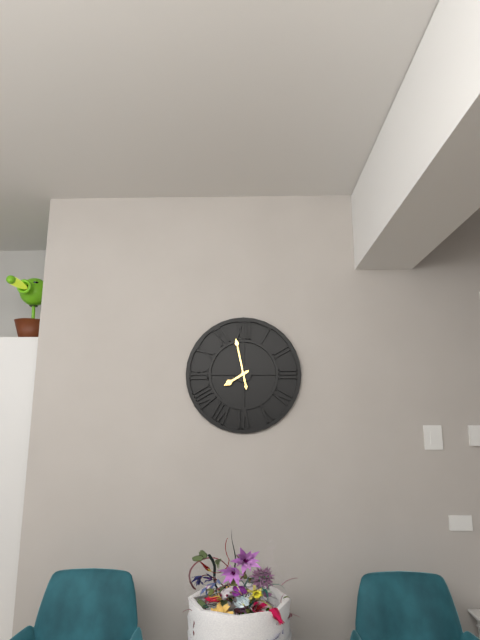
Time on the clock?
7:58
